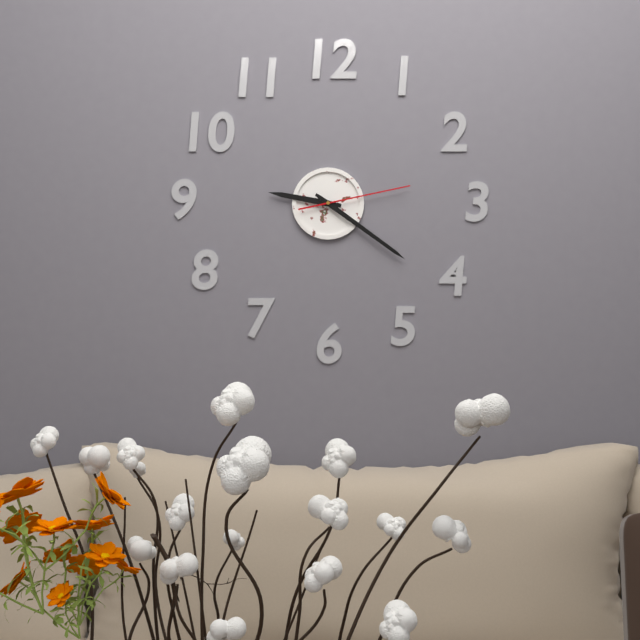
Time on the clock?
9:21:13
